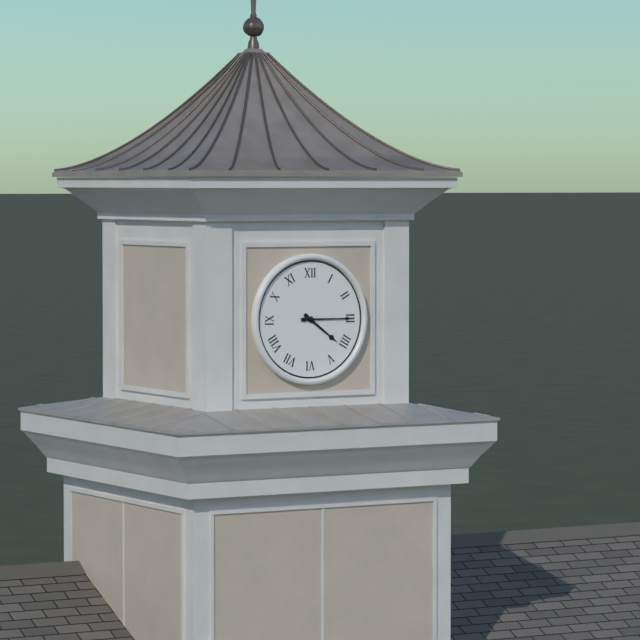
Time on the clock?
4:15
